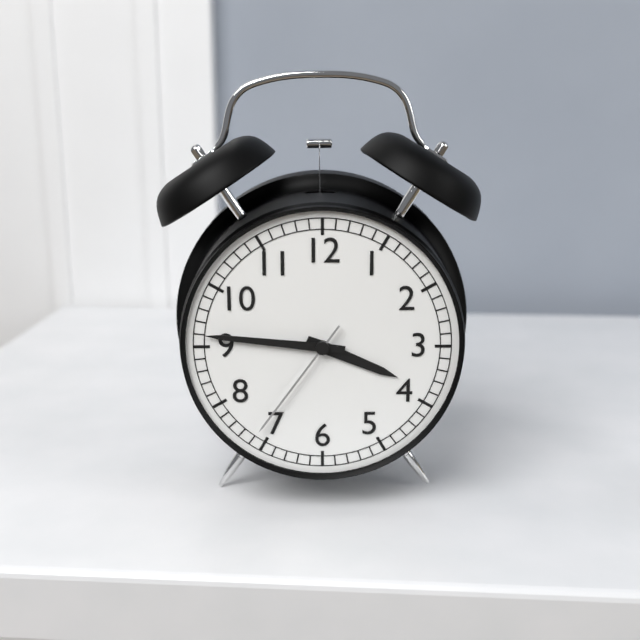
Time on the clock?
3:46:36
